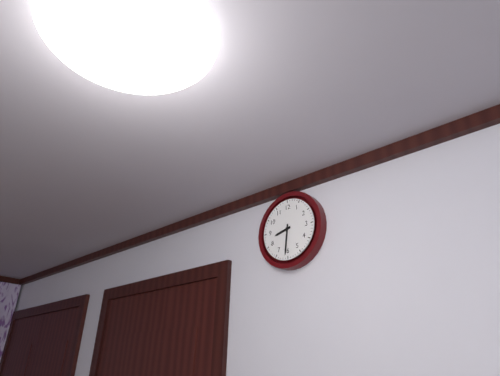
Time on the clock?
8:31
